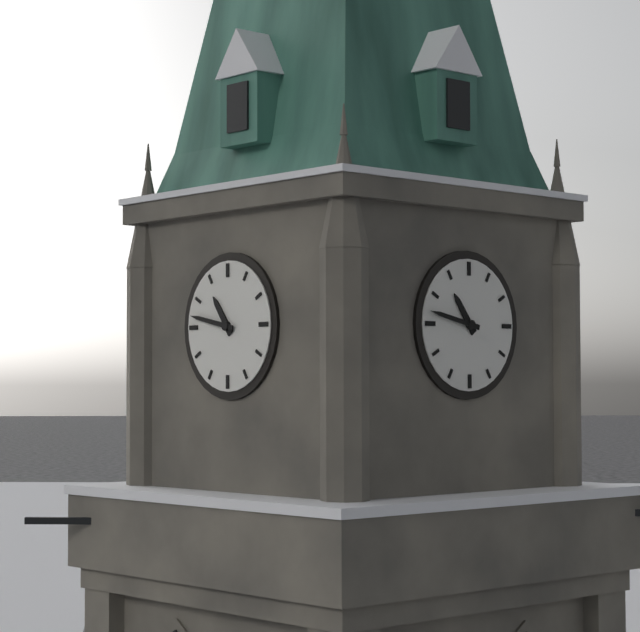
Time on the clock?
10:47
